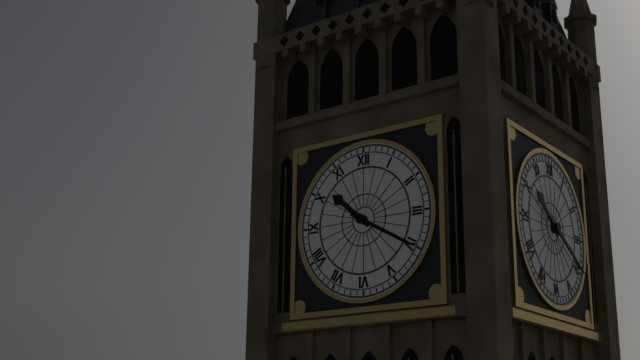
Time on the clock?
10:20
